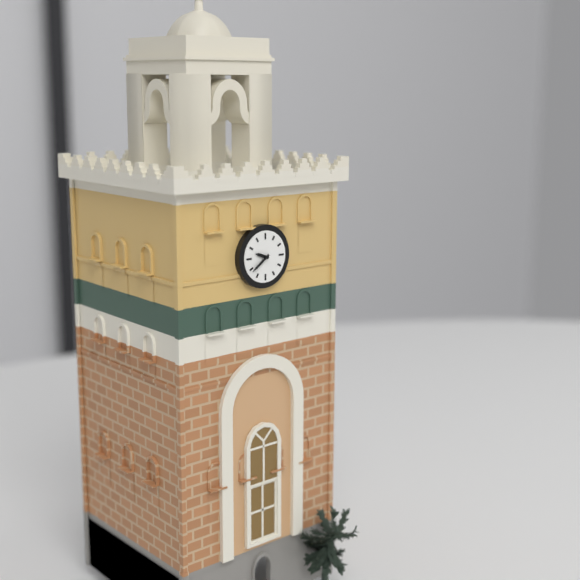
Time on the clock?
9:39
